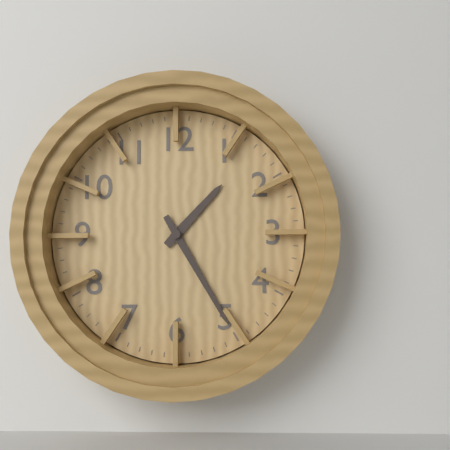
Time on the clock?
1:25
